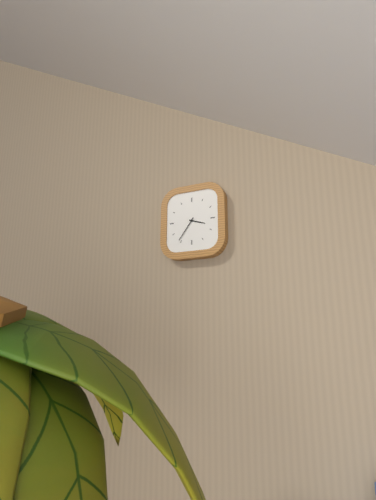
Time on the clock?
3:36
